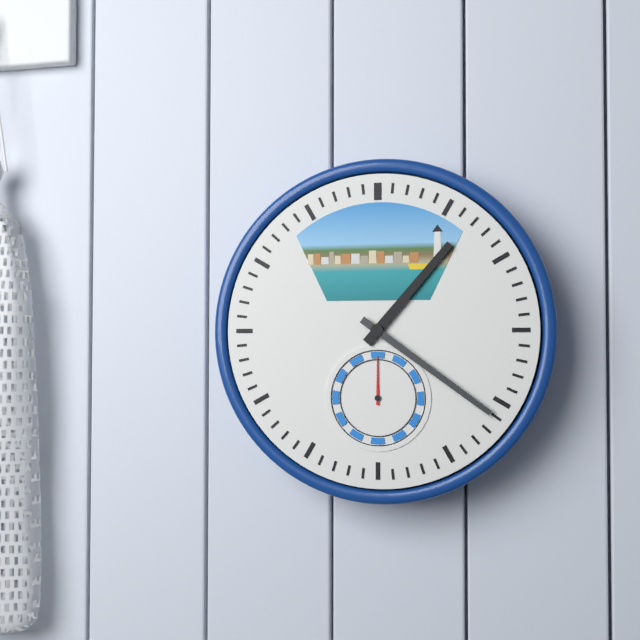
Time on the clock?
1:21
